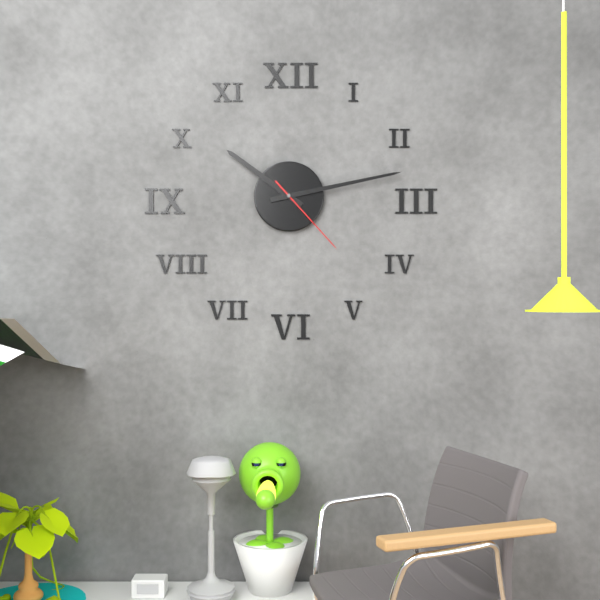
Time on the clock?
10:13:23
